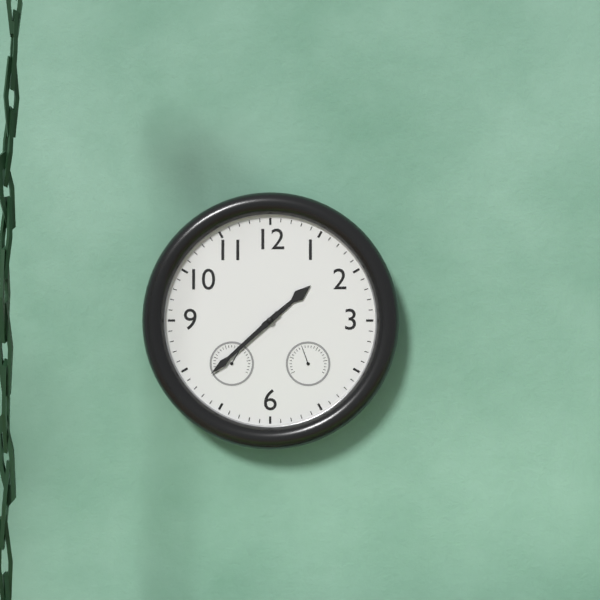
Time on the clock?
1:38
